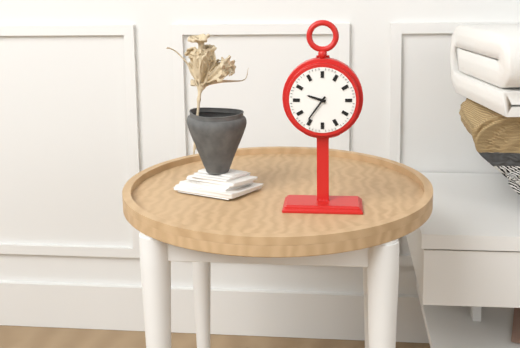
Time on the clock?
9:36
